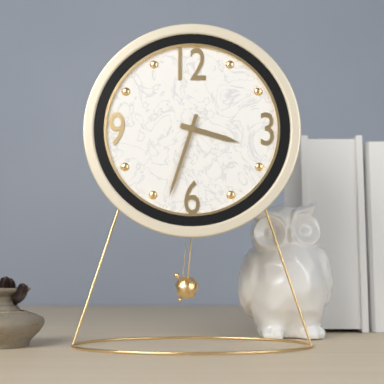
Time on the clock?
3:33
